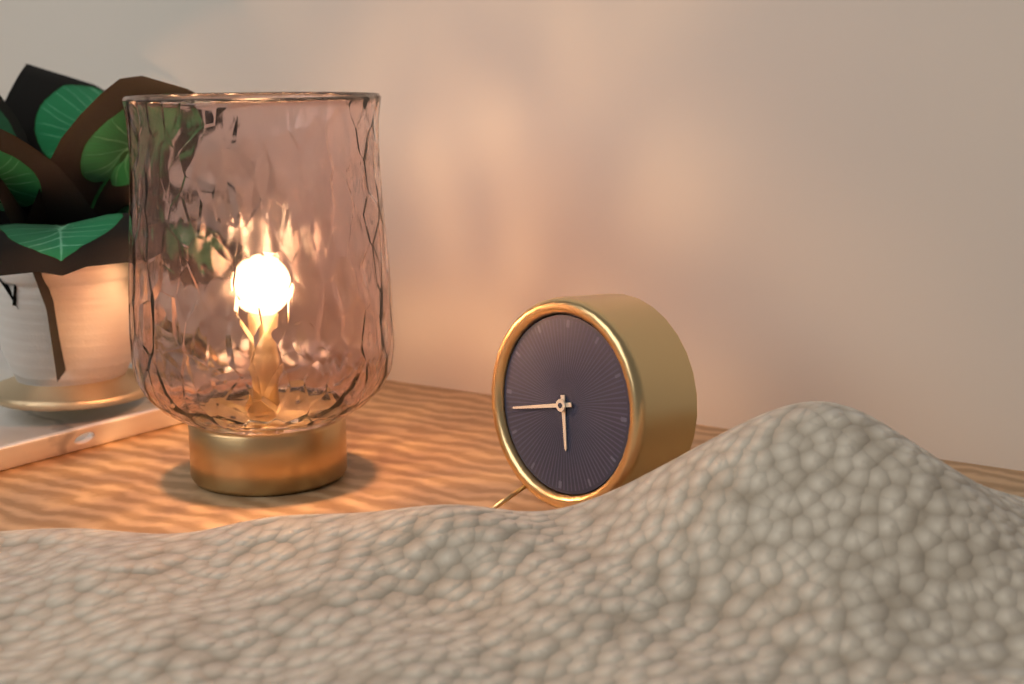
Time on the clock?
5:43
